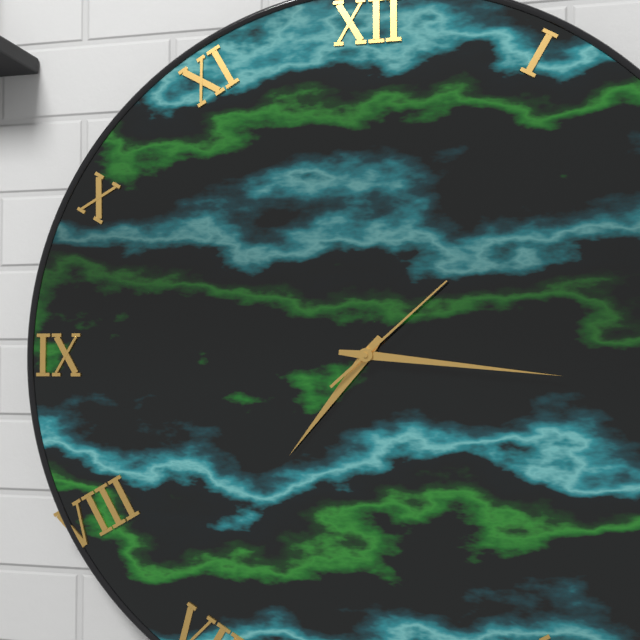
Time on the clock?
7:16:08
